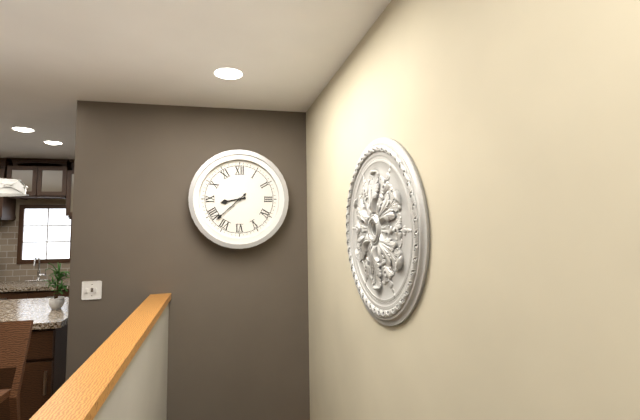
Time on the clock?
8:38
